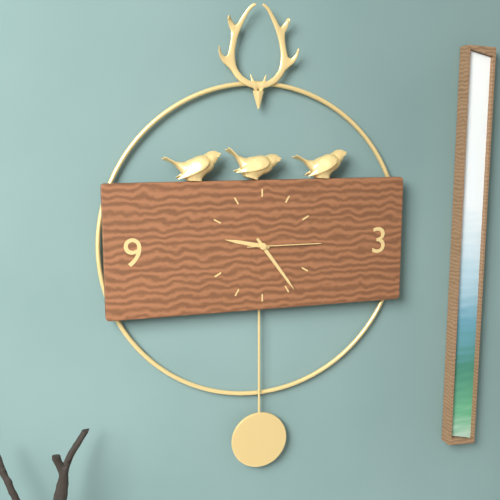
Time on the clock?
9:24:15
